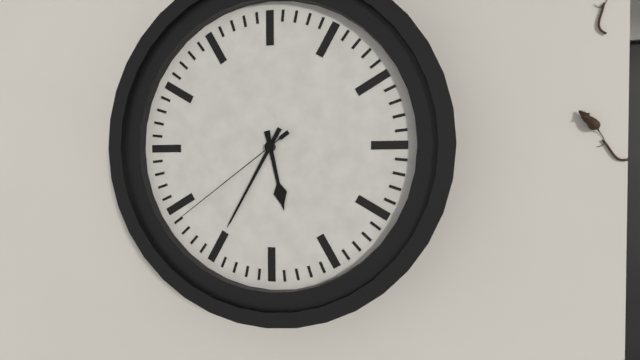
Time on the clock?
5:35:39
